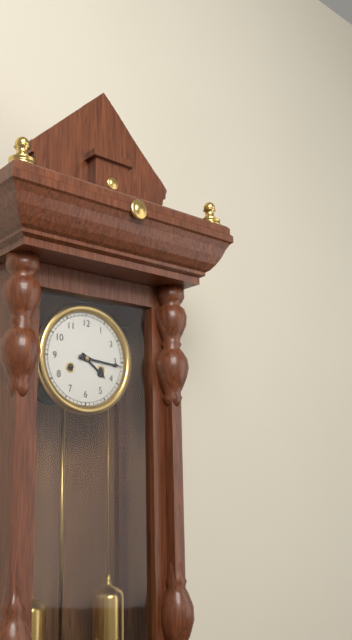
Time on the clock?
4:16
